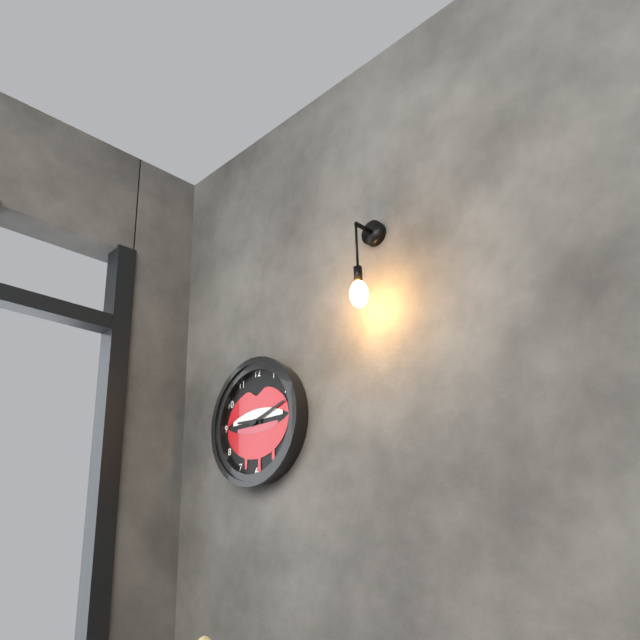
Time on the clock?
9:12
